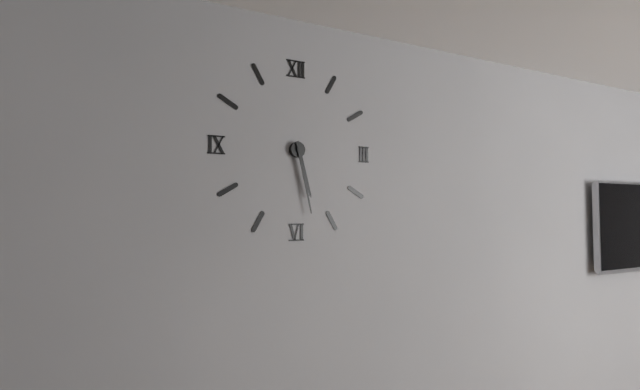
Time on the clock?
5:28
